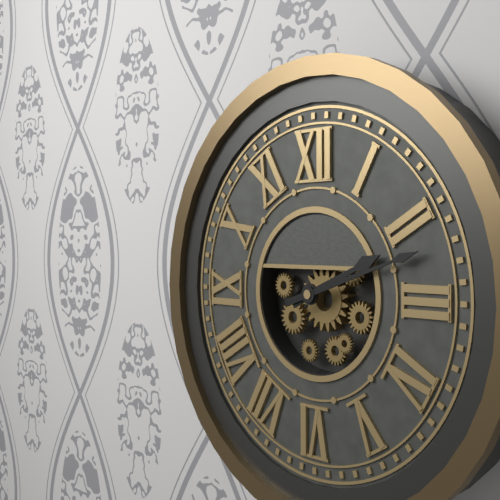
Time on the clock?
2:12
